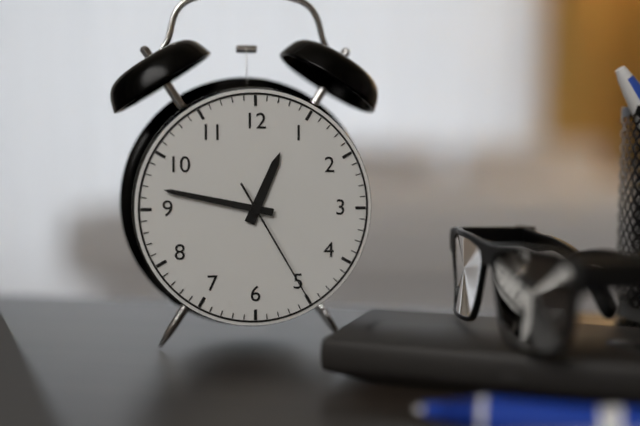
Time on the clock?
12:47:25
